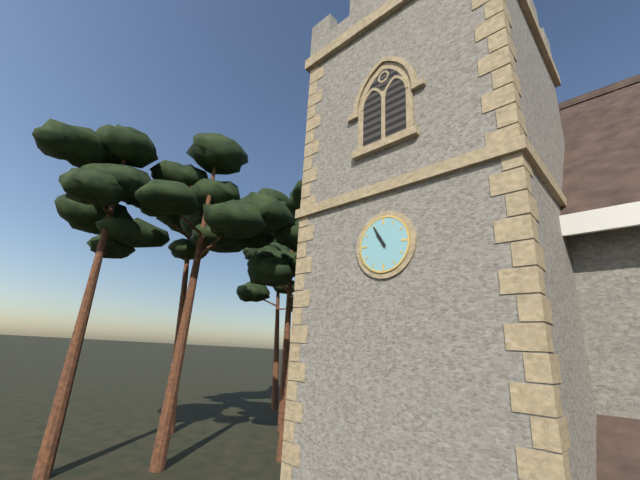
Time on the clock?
10:55
